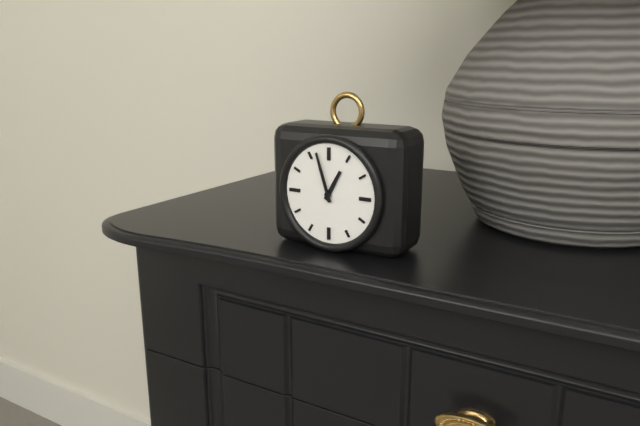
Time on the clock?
12:57
